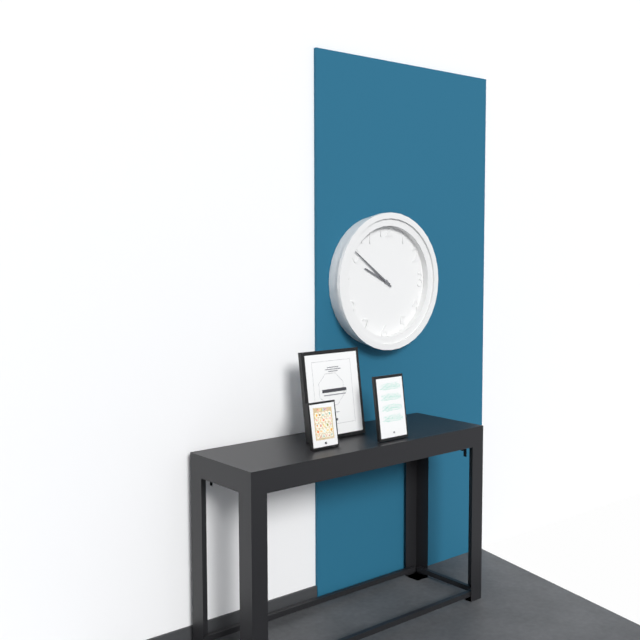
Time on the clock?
9:51
